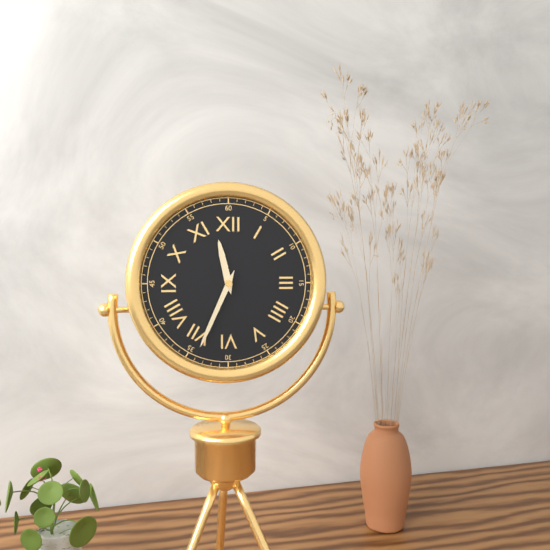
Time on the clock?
11:34
